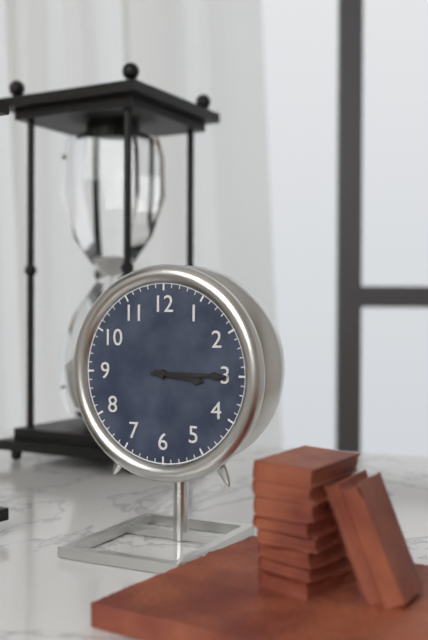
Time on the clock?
3:15
